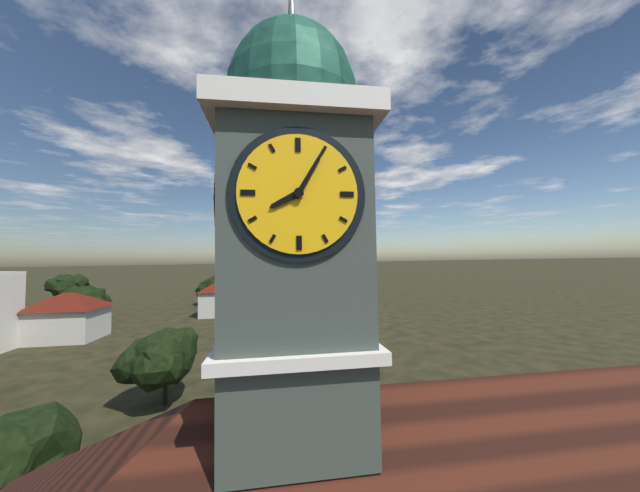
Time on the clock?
8:05
